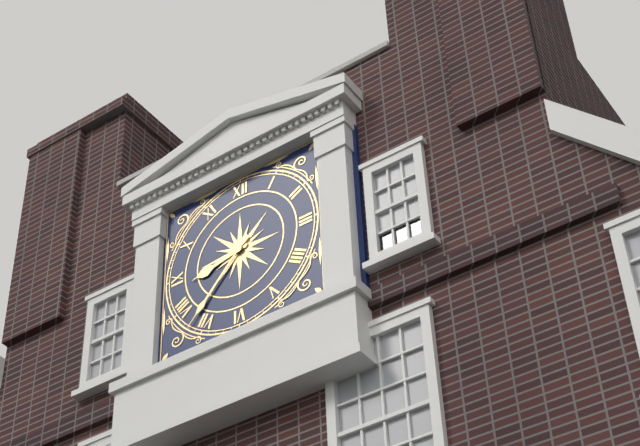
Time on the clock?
8:37
